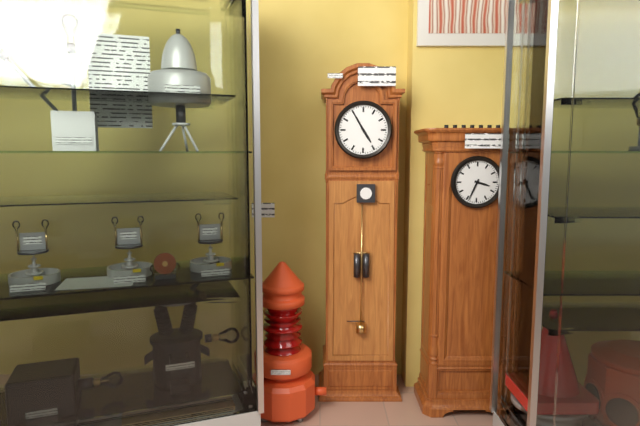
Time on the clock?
4:55
